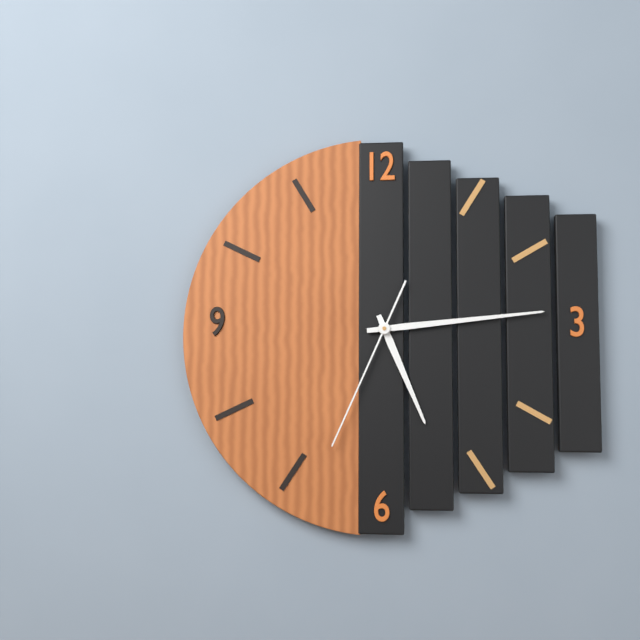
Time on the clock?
5:14:34
